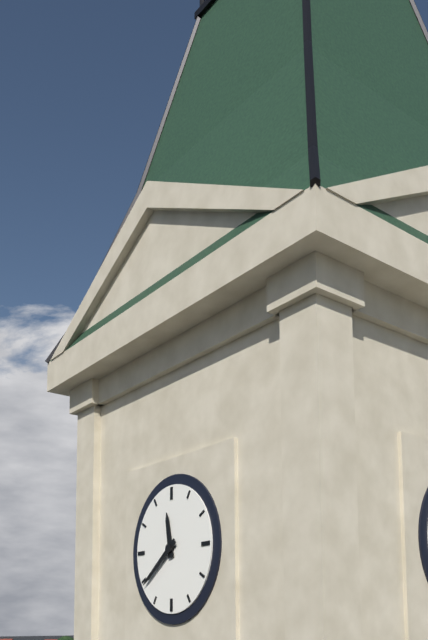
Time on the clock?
11:39
